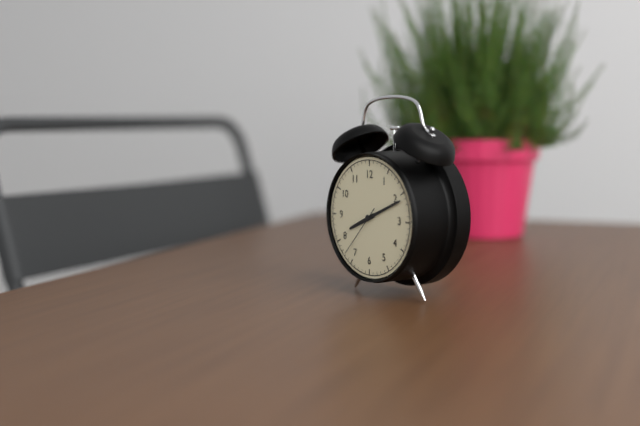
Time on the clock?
8:11:37
